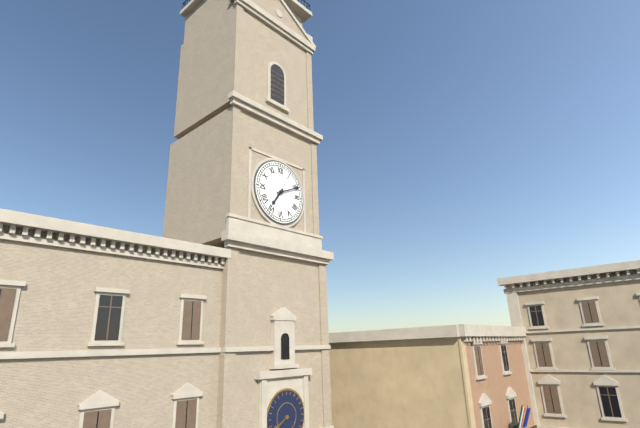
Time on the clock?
7:11
